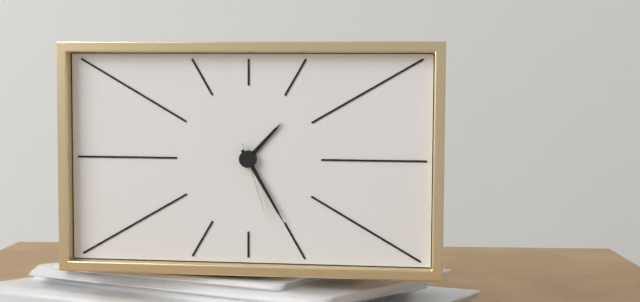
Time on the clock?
1:25:27
